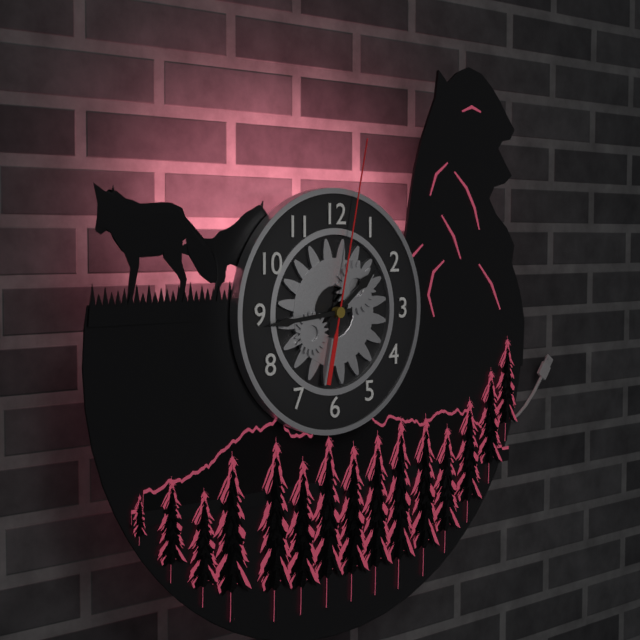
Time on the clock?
1:44:02
